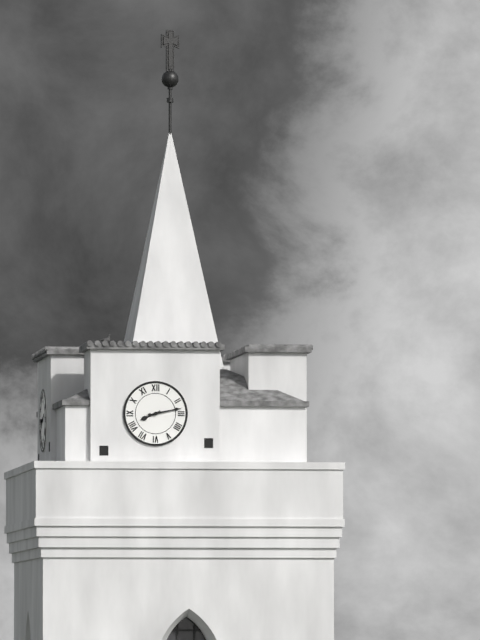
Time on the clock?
8:13
